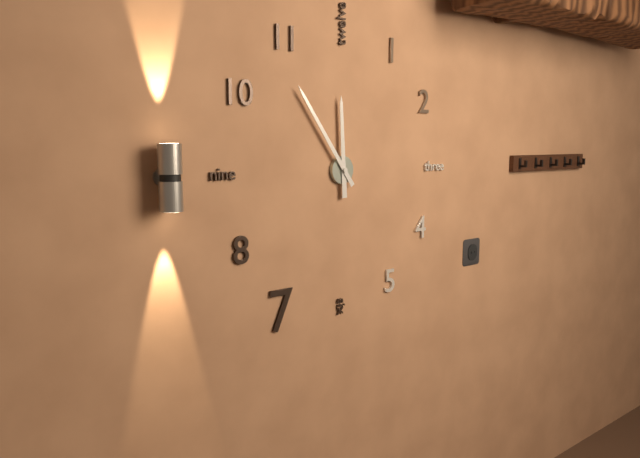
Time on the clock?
11:54
